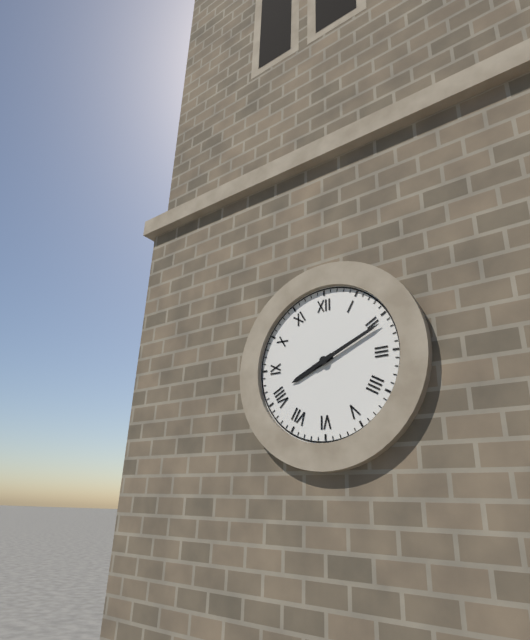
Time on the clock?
8:11
